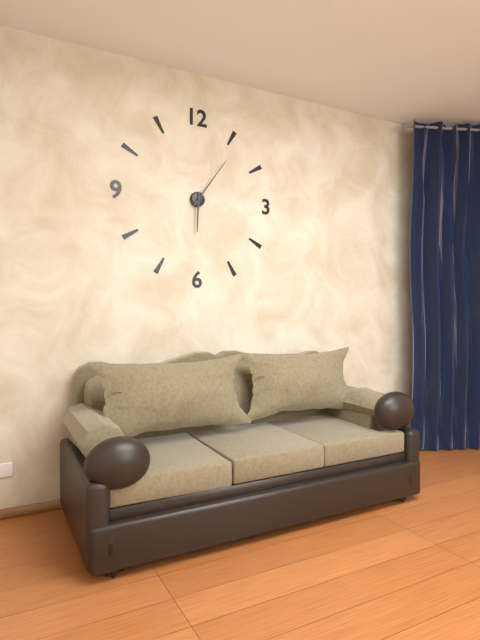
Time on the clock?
6:06
